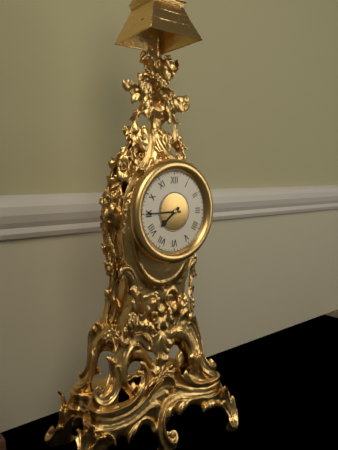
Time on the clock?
7:45
